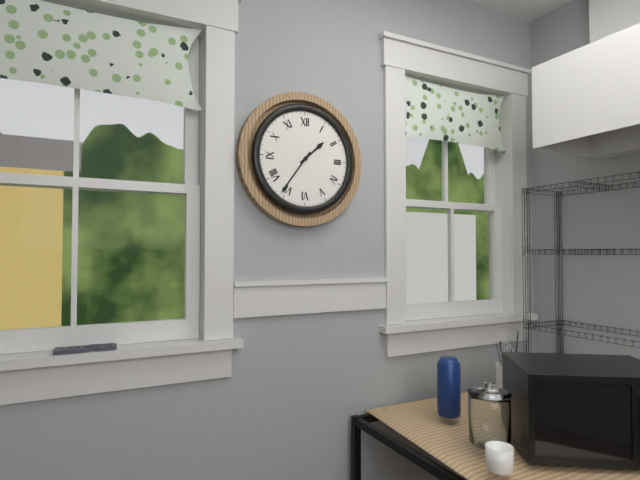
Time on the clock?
1:36
